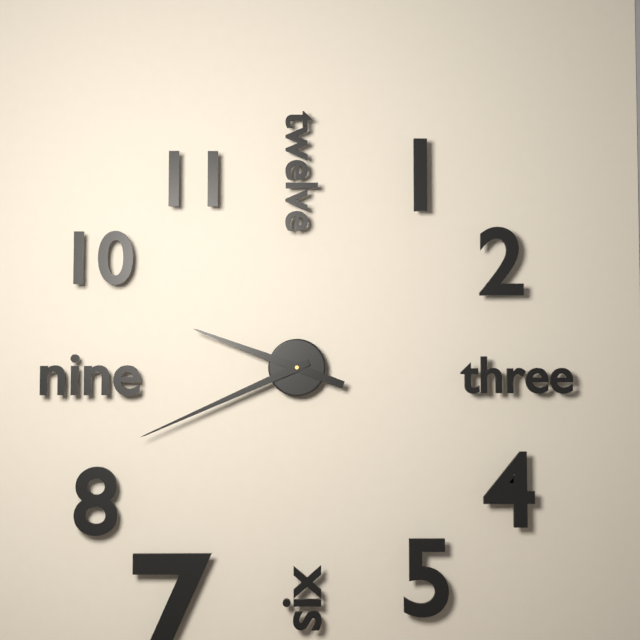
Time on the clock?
9:41
